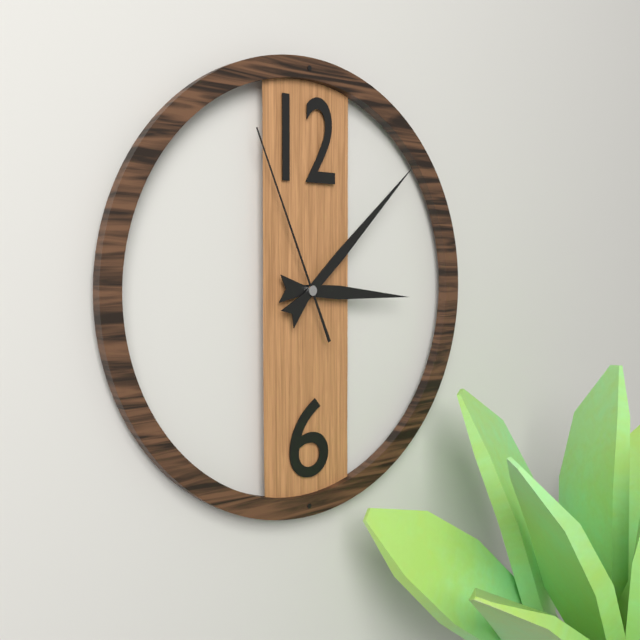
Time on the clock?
3:08:56
